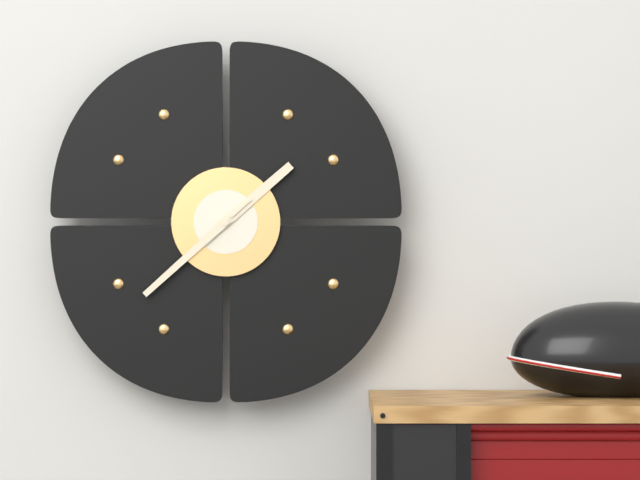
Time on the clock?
1:38
